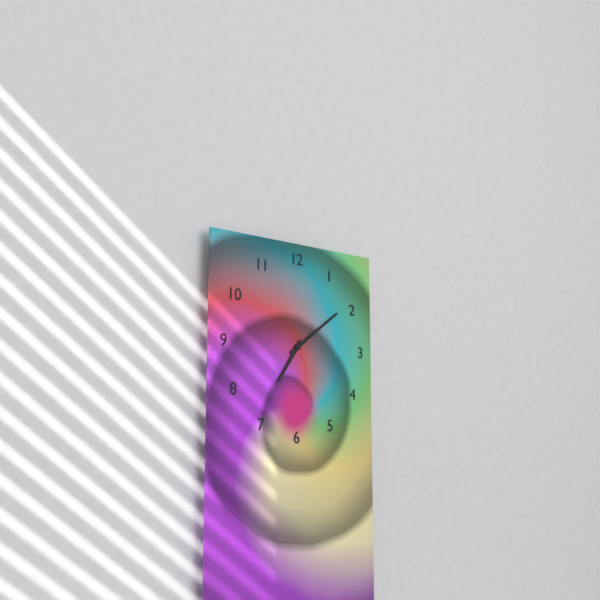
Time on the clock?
7:09
